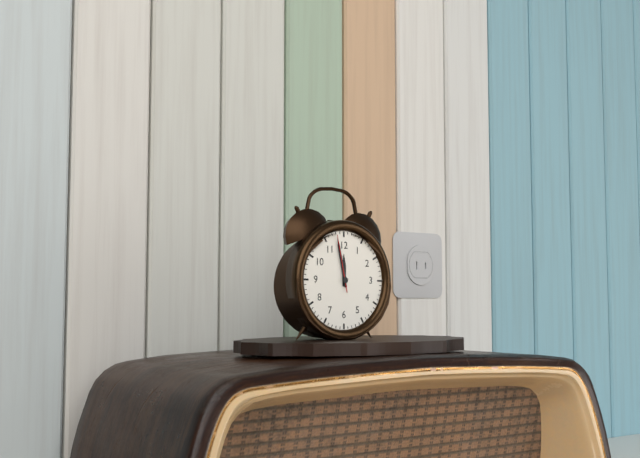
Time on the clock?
11:58:58
